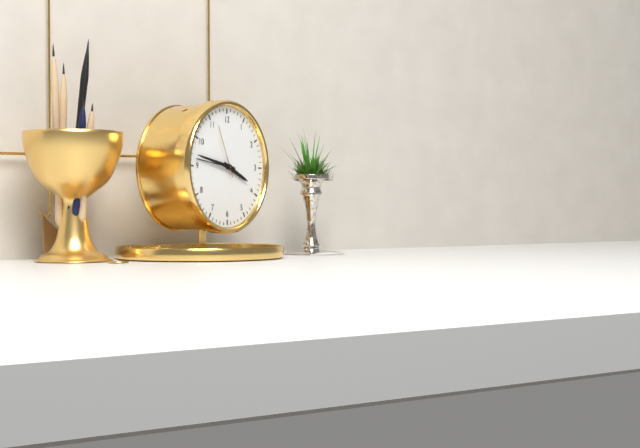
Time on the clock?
3:47:56
